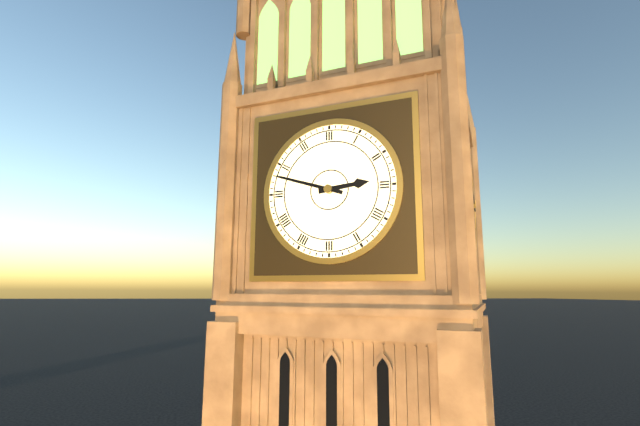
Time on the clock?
2:48
